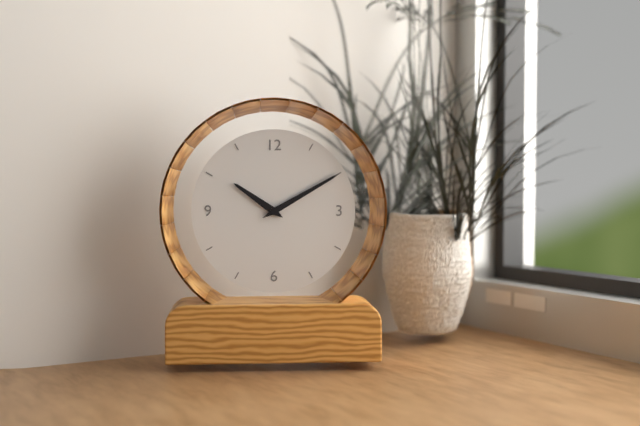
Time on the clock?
10:10
